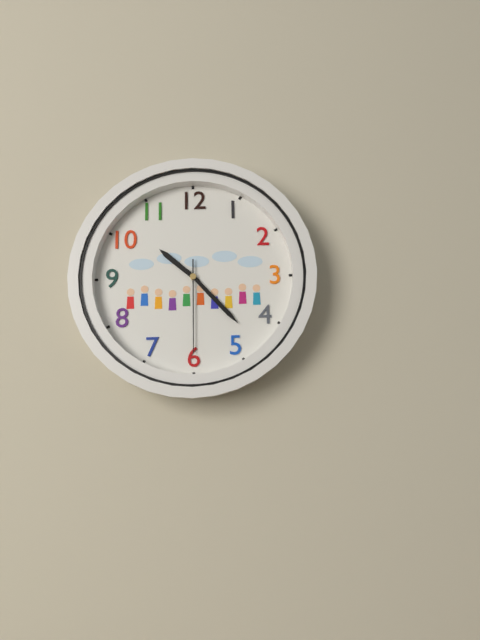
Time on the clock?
10:23:30
